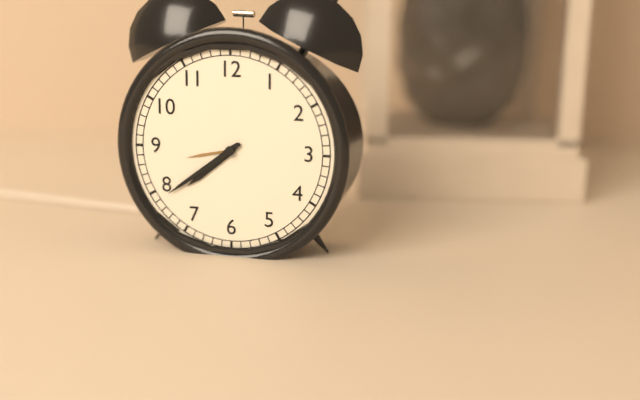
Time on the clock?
7:39
